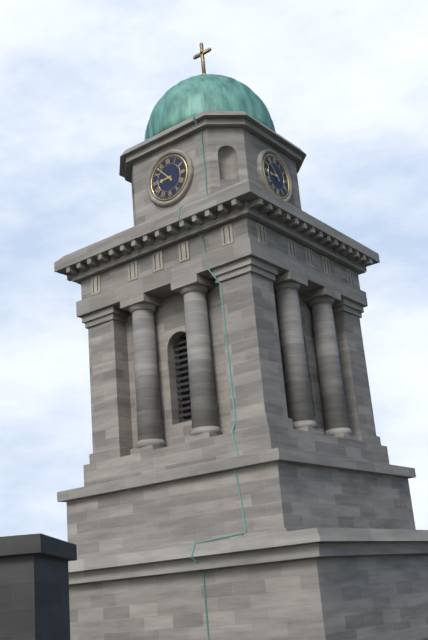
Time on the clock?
8:53
